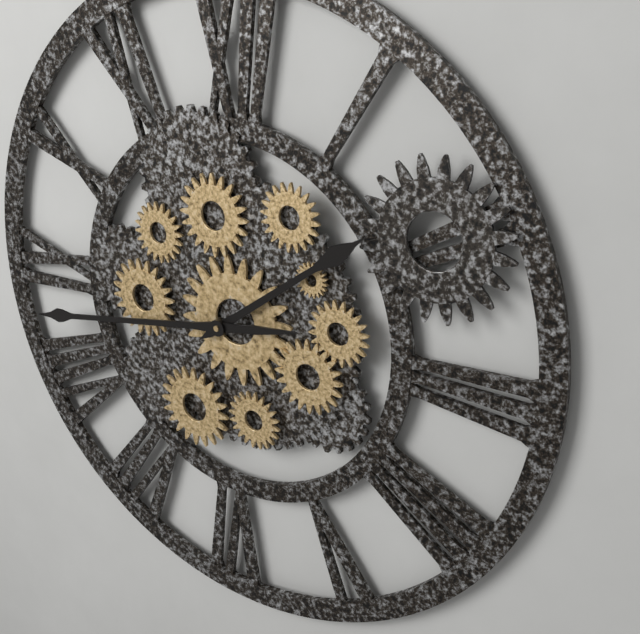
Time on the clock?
1:43
